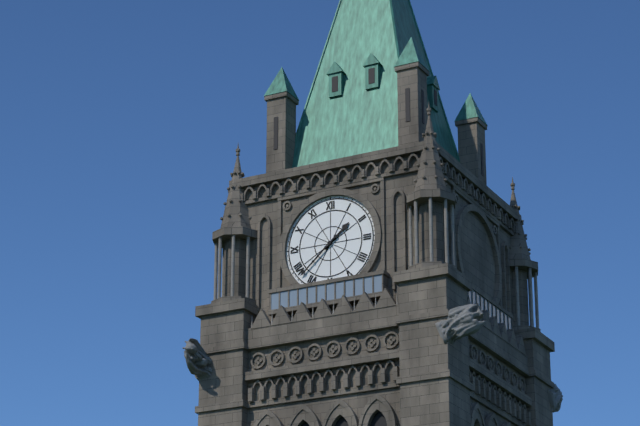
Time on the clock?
1:38
